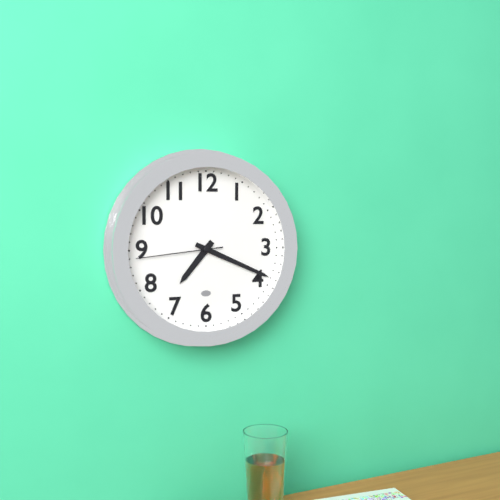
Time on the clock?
7:19:44
